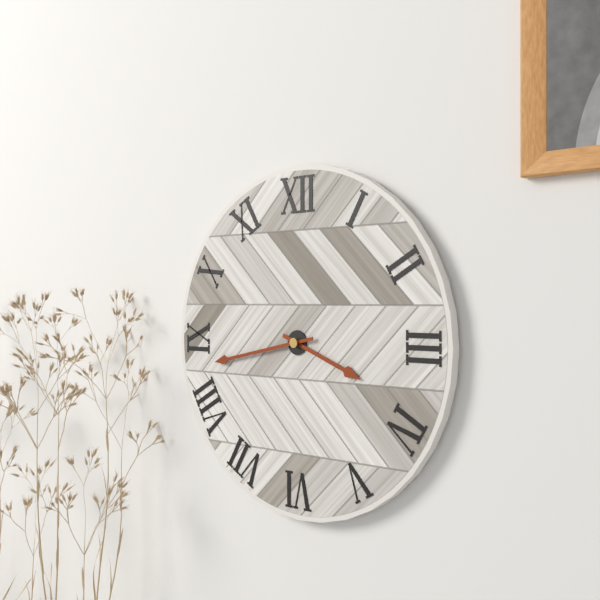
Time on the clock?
3:43
